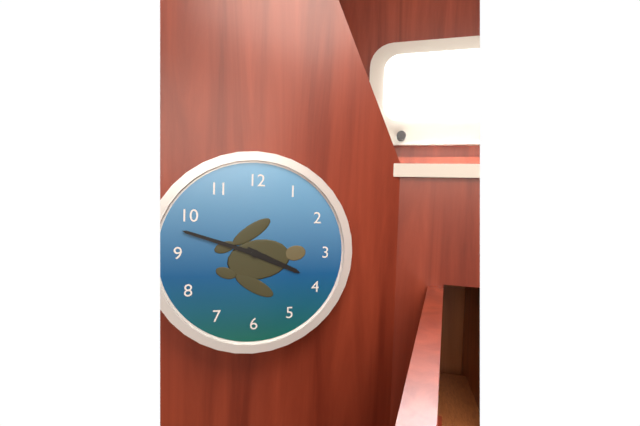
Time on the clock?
3:48
